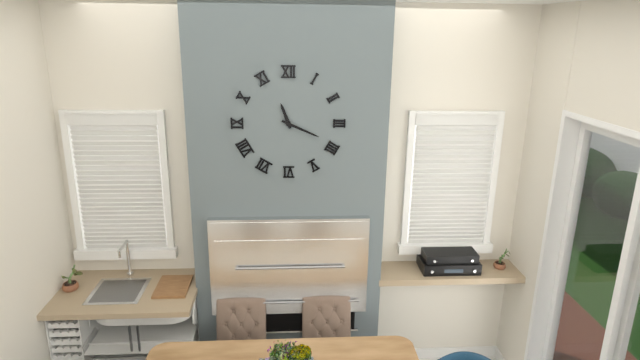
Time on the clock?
11:19
